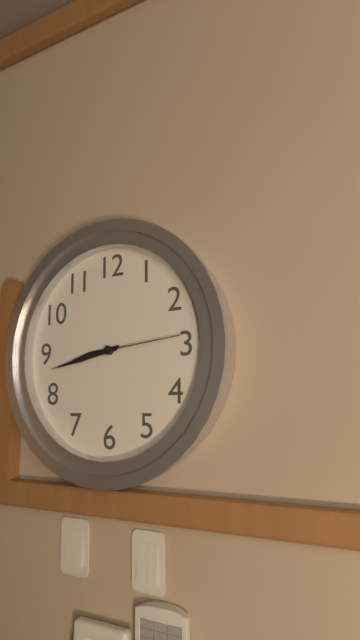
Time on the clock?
8:43:14
